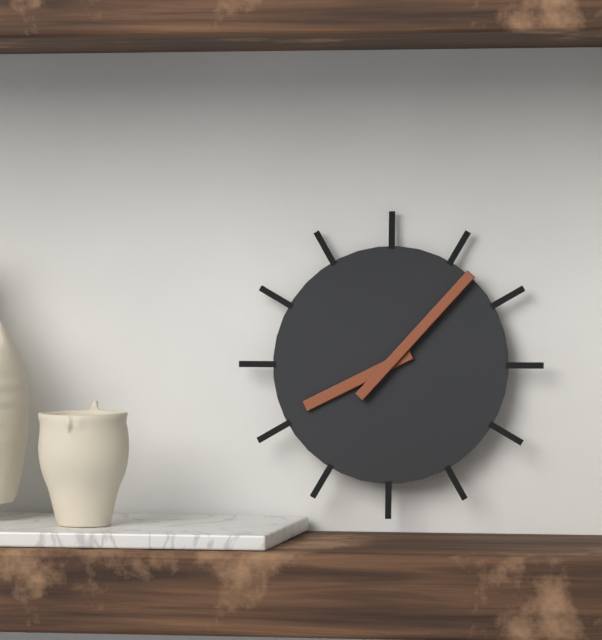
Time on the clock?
8:07
